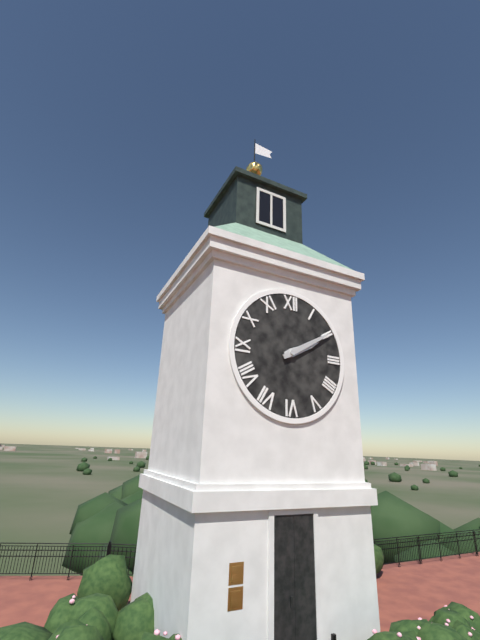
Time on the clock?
2:10
